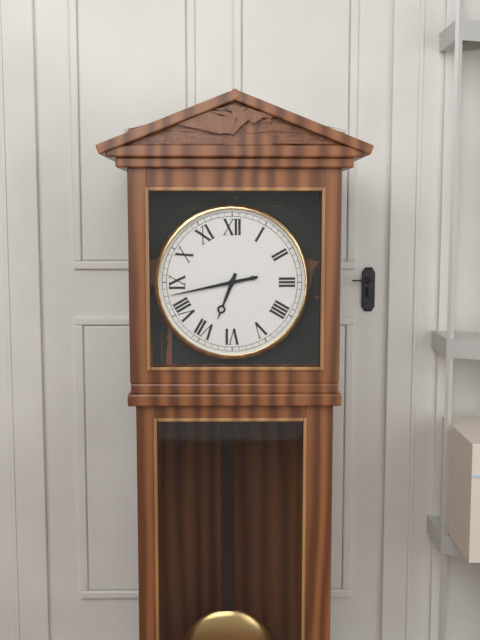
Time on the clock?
6:43
